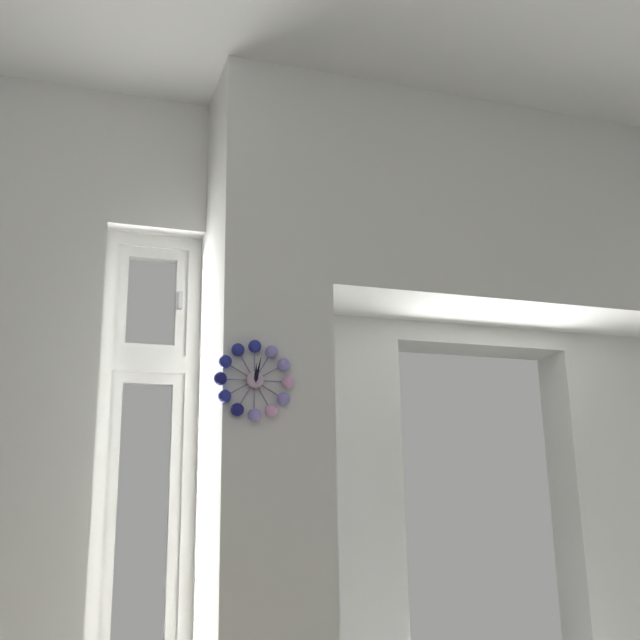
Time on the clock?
12:02
